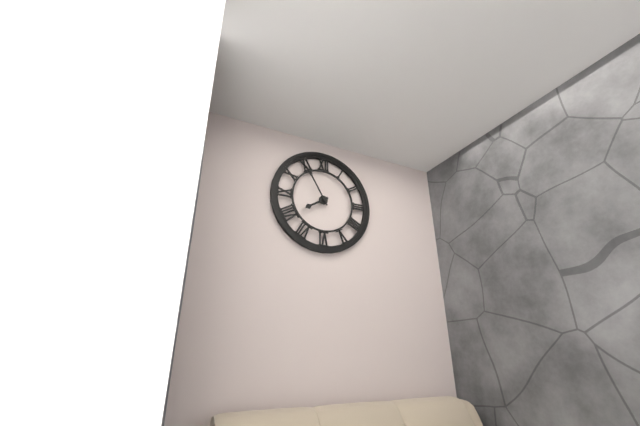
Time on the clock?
7:55
